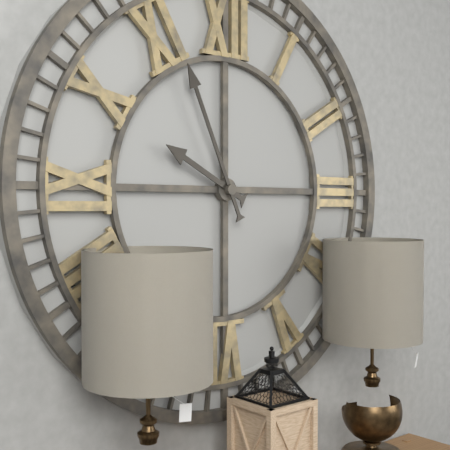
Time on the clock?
9:56
